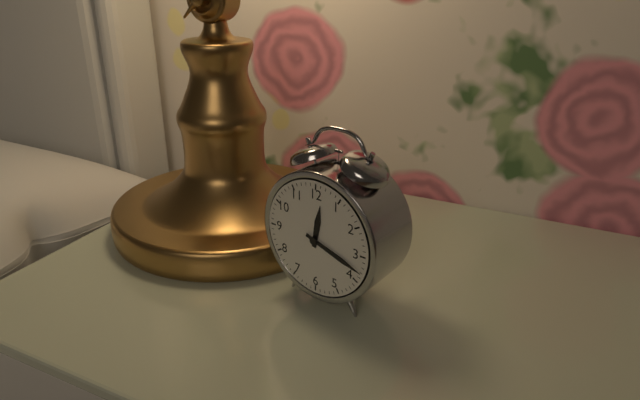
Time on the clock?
12:18
